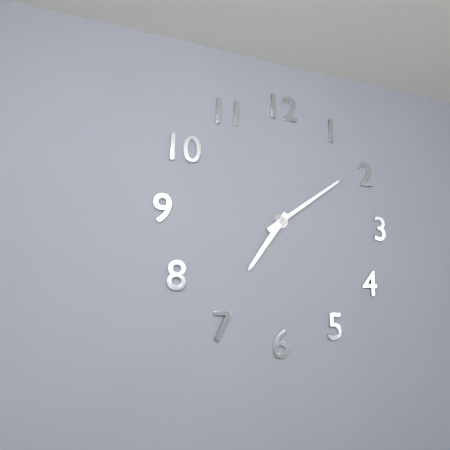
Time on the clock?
7:09
